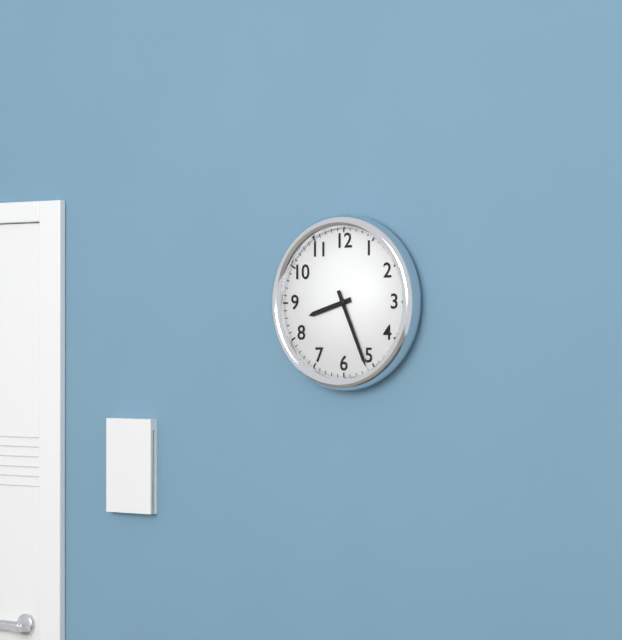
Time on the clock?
8:26
